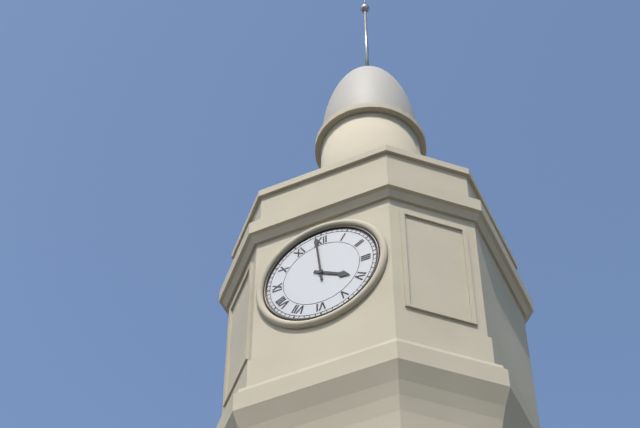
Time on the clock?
3:59
